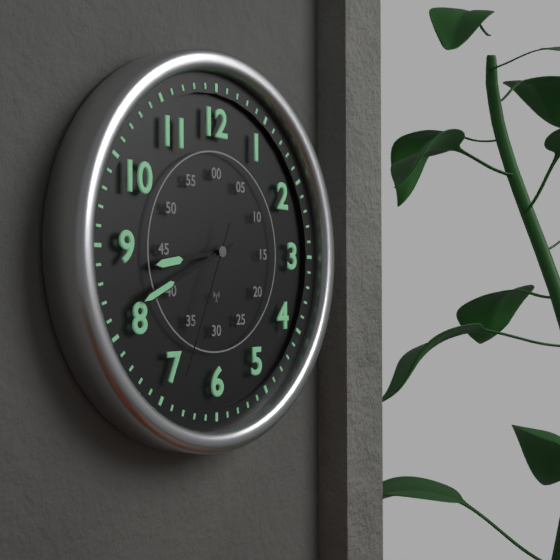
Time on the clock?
8:41:34
